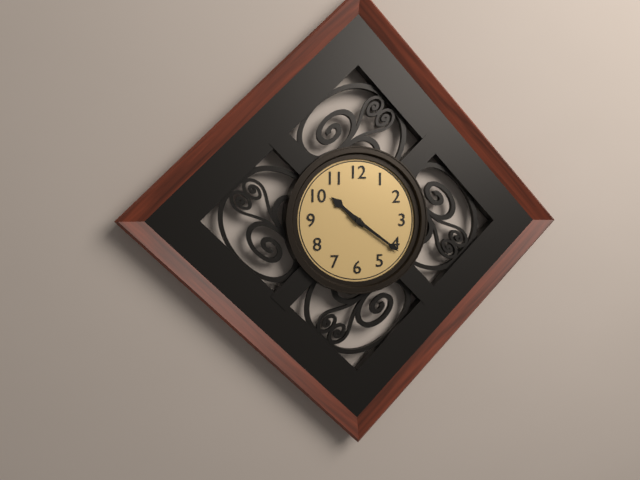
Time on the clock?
10:21
